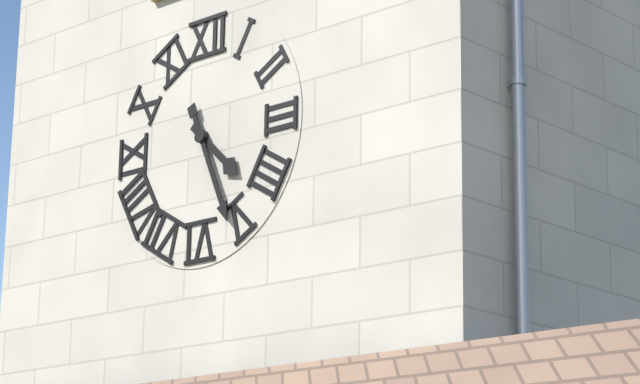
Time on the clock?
4:26
